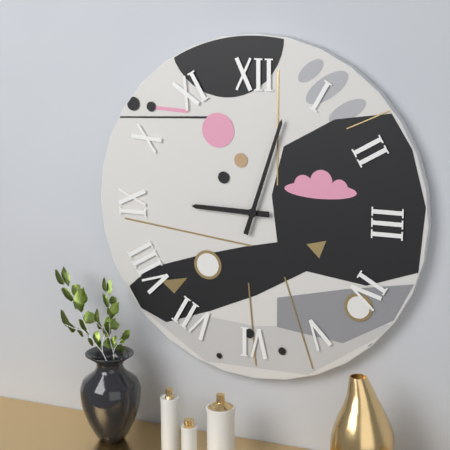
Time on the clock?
9:03
